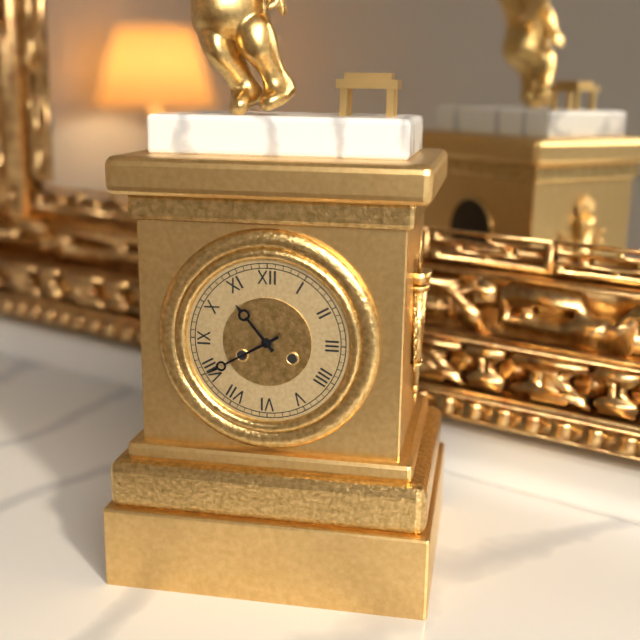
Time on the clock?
10:40
